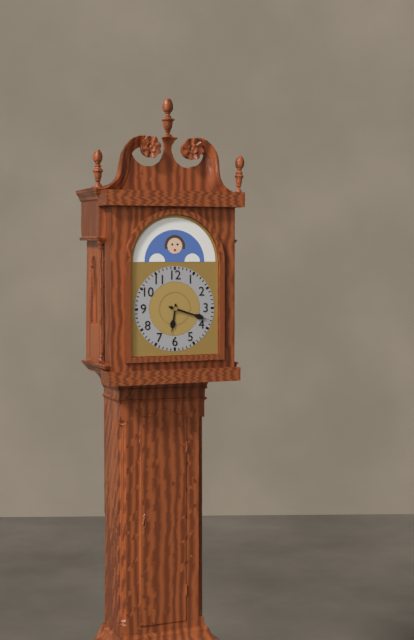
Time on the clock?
6:18
